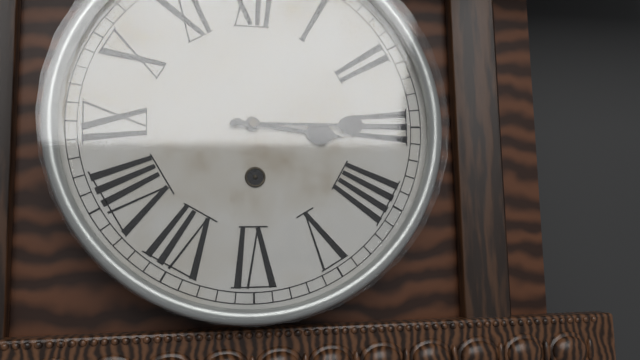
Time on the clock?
3:15
